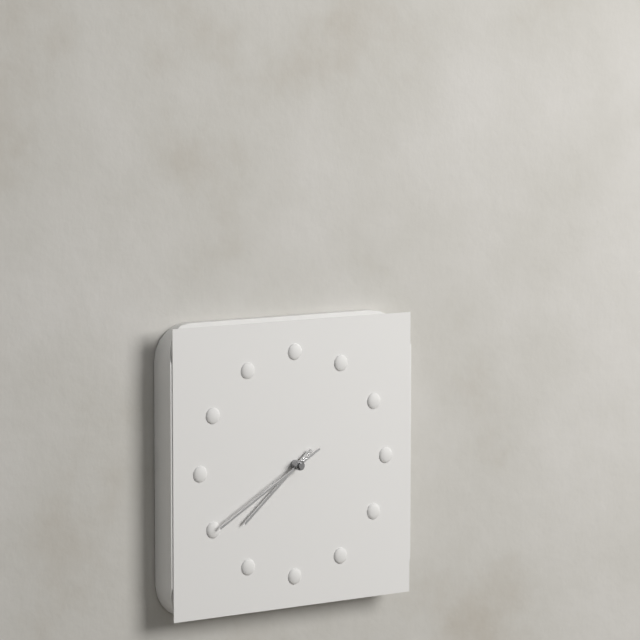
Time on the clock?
7:40
